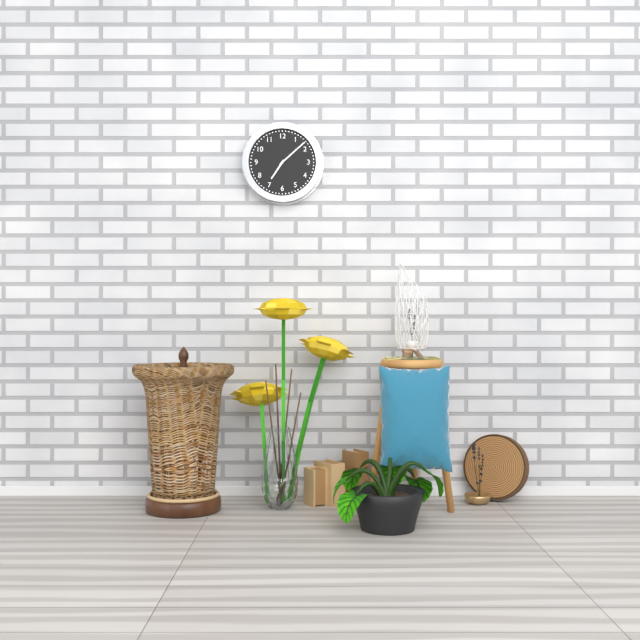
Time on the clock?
7:08
